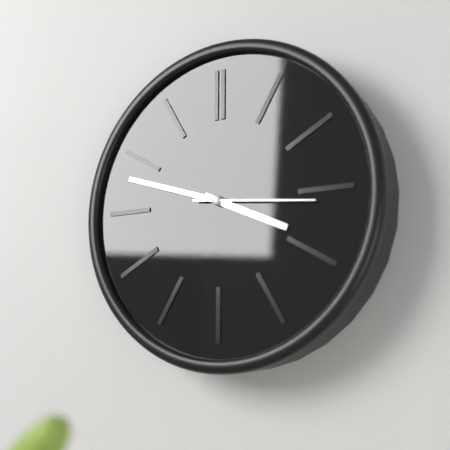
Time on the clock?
3:48:16
